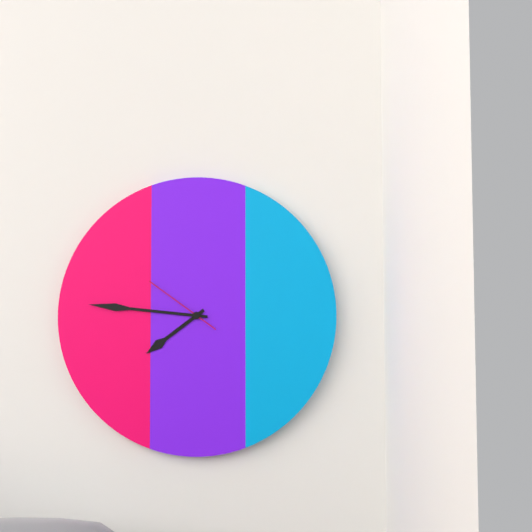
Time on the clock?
7:46:51
